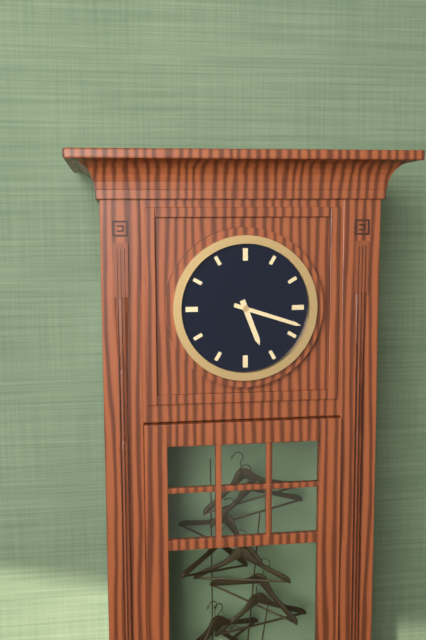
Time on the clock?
5:18
